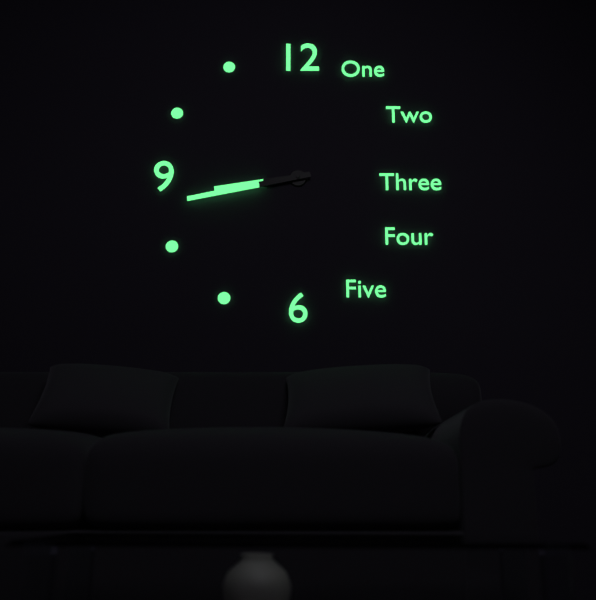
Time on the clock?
8:43
